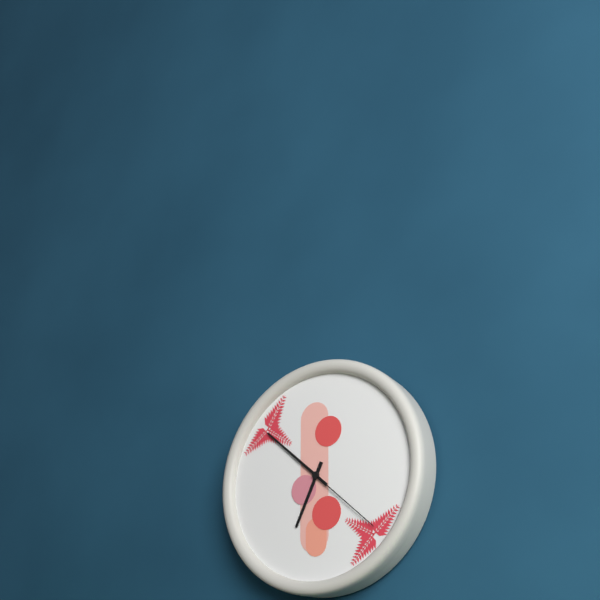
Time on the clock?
6:52:22
